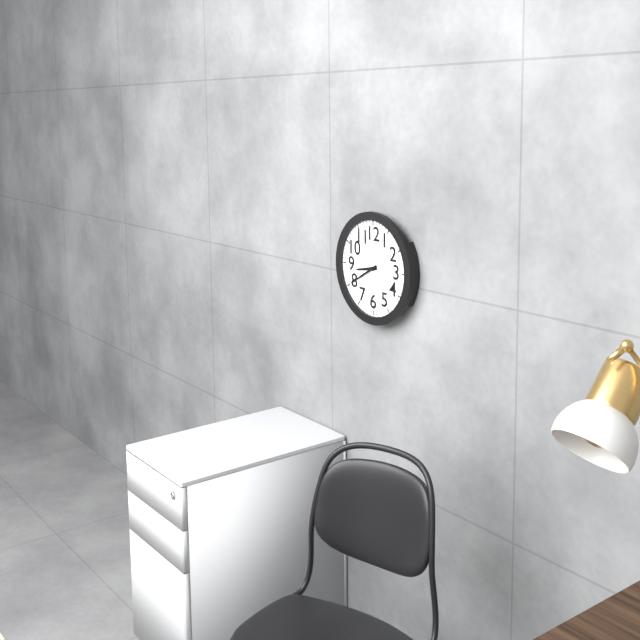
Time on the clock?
8:40
